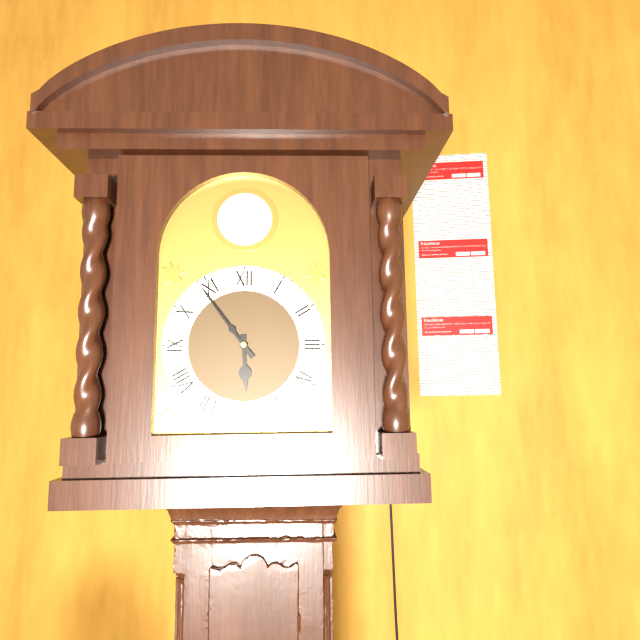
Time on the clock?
5:54
